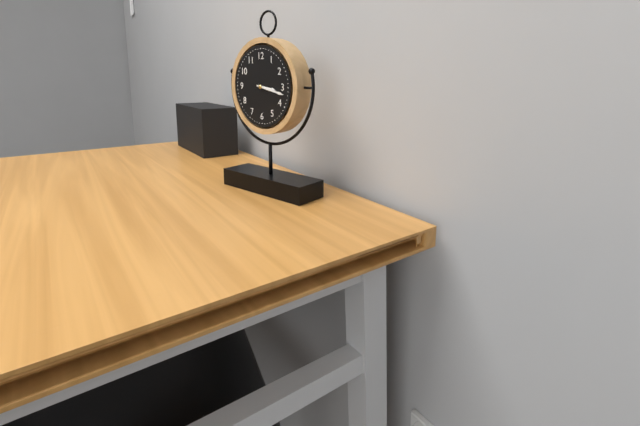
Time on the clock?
3:17
